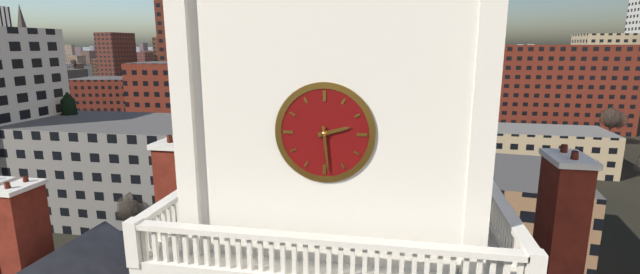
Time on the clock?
2:29
